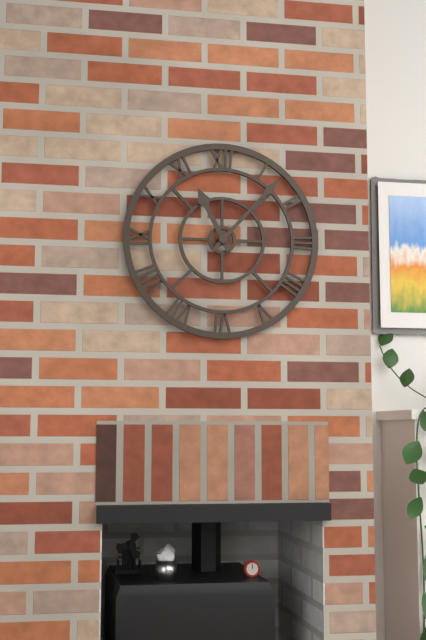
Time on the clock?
11:07
